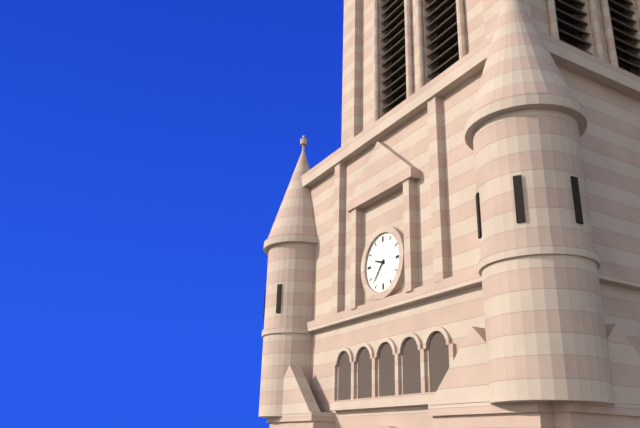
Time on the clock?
9:37
